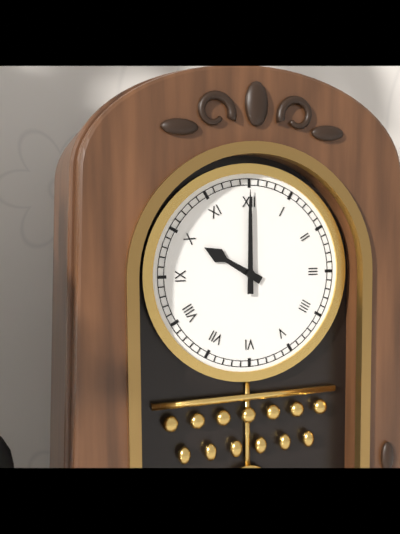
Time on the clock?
10:00
